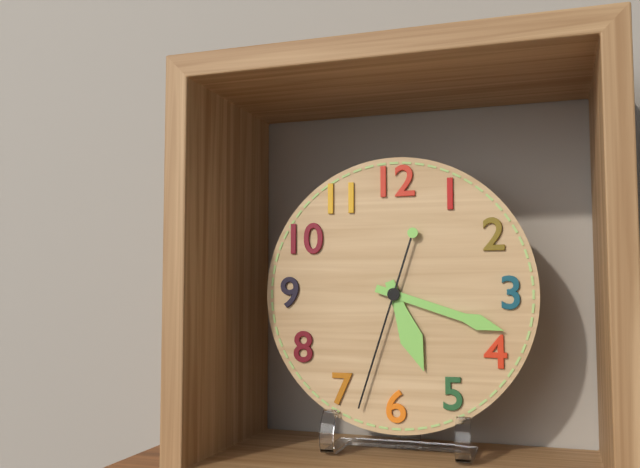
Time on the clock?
5:18:33
